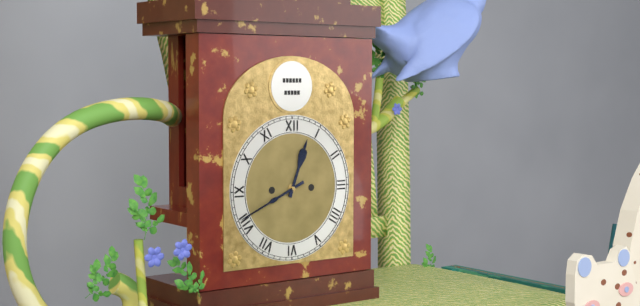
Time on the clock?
12:41
